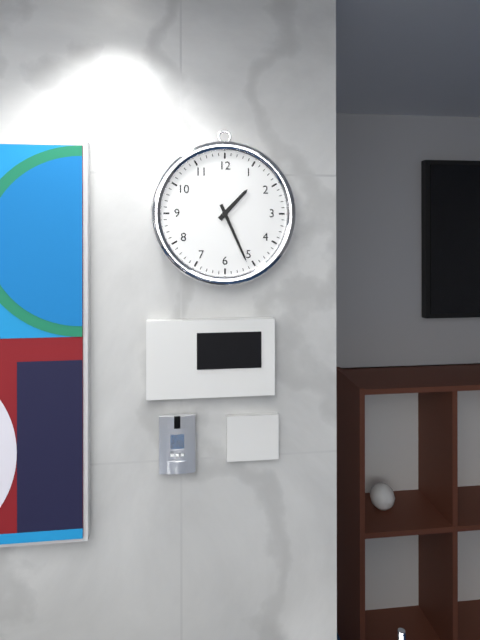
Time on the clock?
1:26
